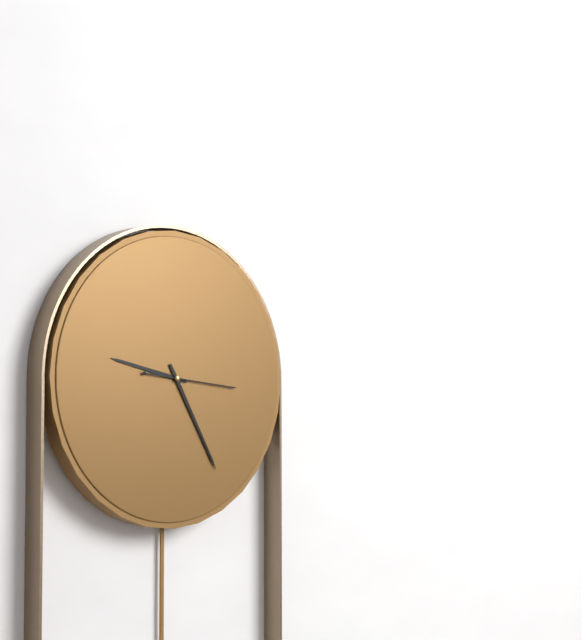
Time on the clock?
9:25:16
